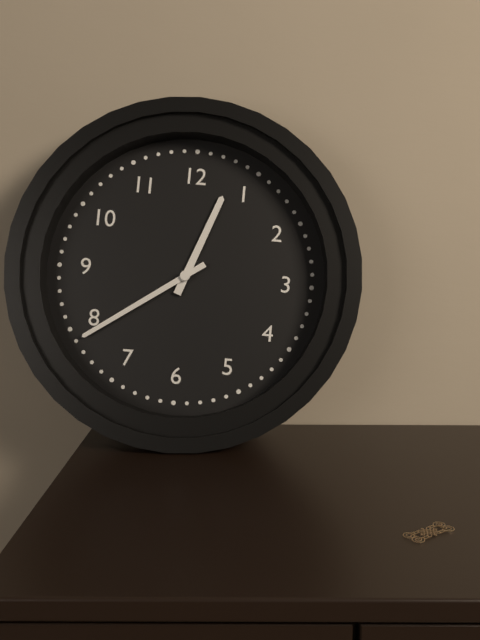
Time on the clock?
12:39
